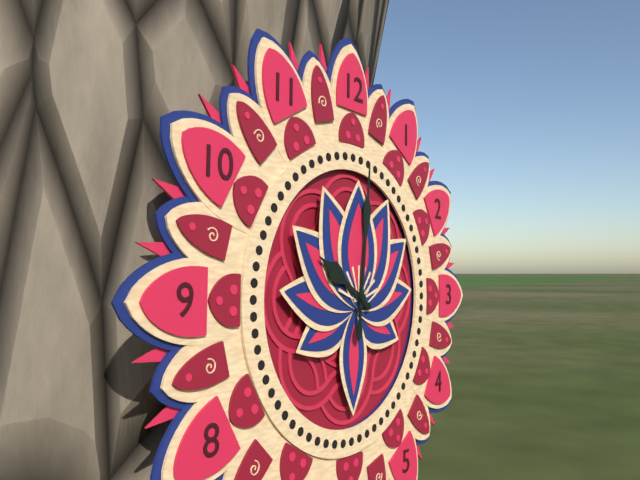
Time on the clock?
10:01
